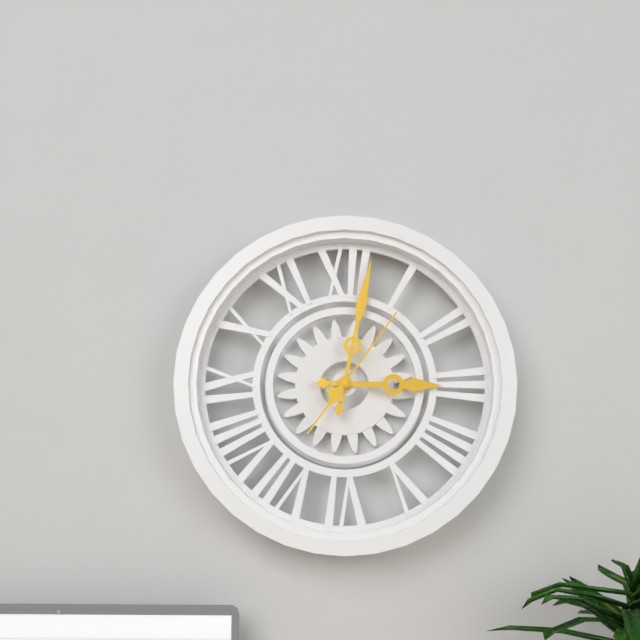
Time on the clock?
3:02:06
